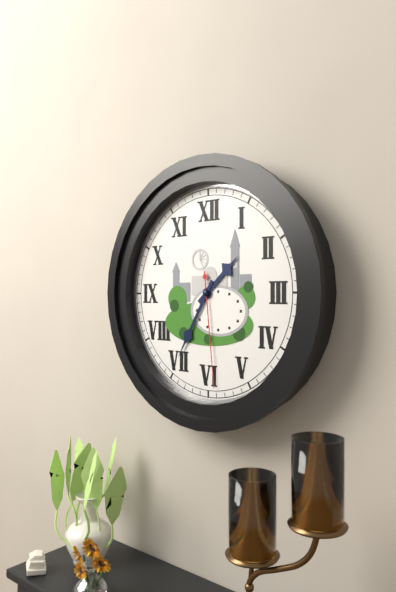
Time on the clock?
1:35:29
